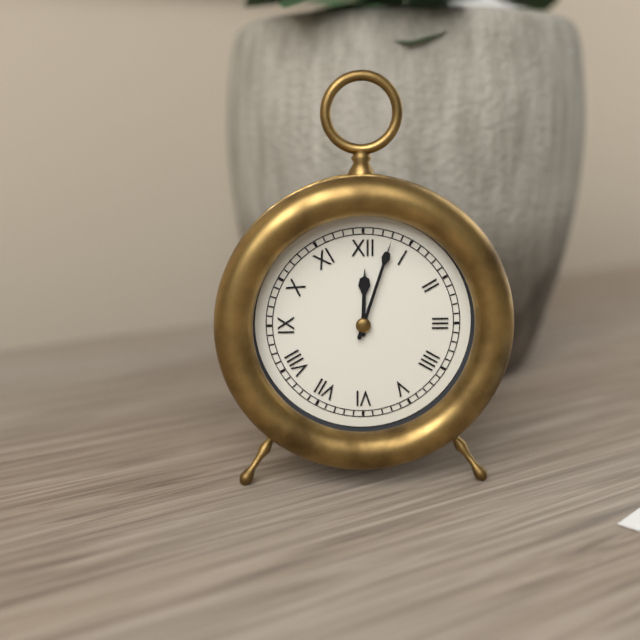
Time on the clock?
12:03
